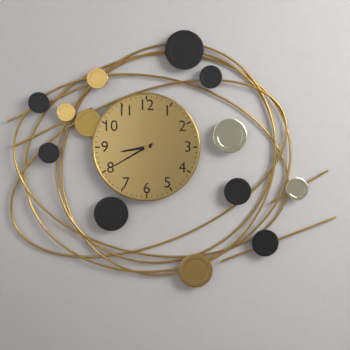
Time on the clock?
8:40
